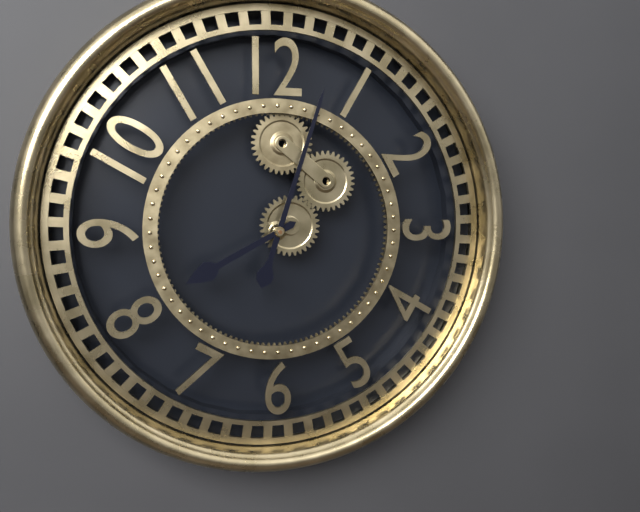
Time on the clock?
8:03
